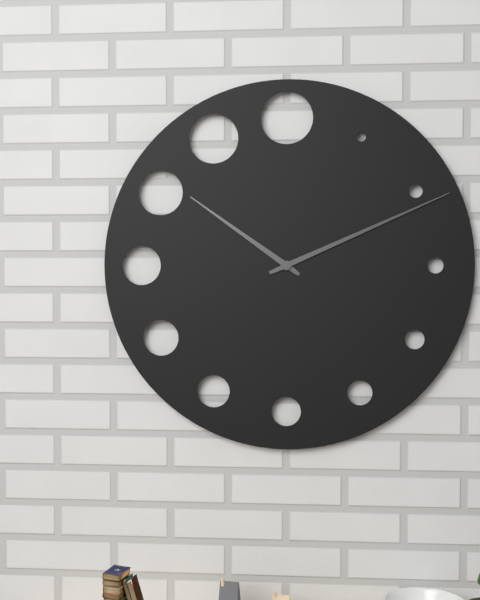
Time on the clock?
10:11
